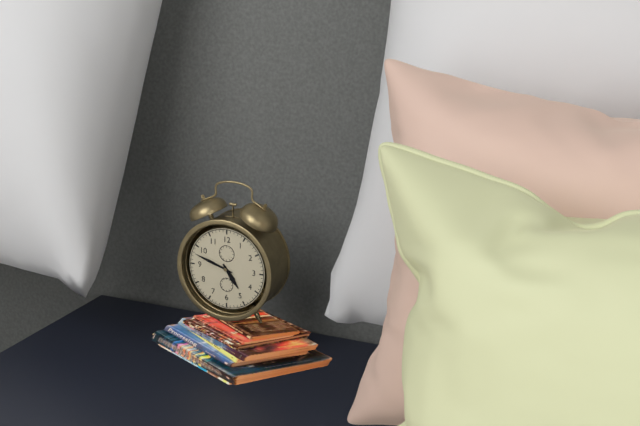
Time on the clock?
4:48
